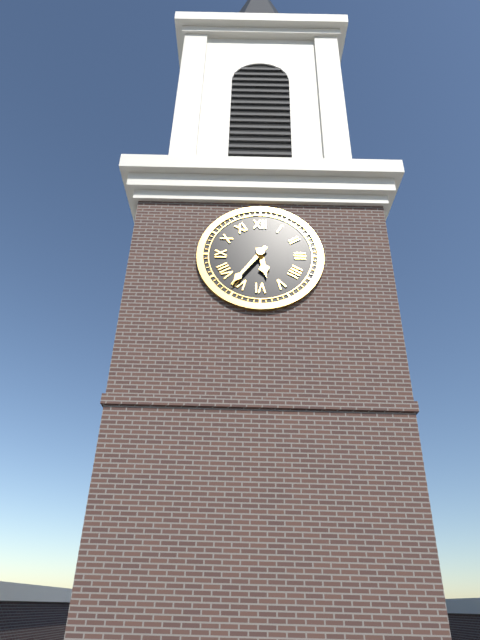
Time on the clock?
5:36
